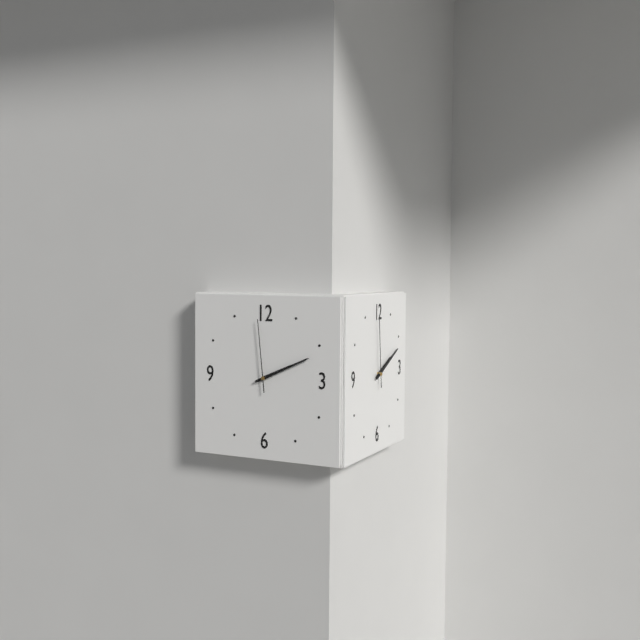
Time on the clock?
2:11:59
